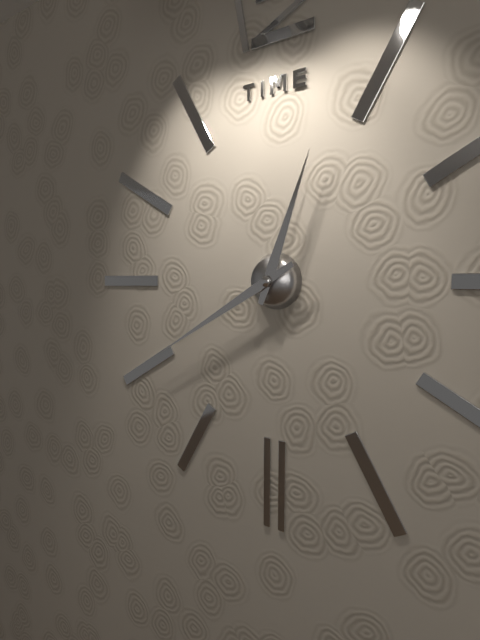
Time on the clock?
12:40
